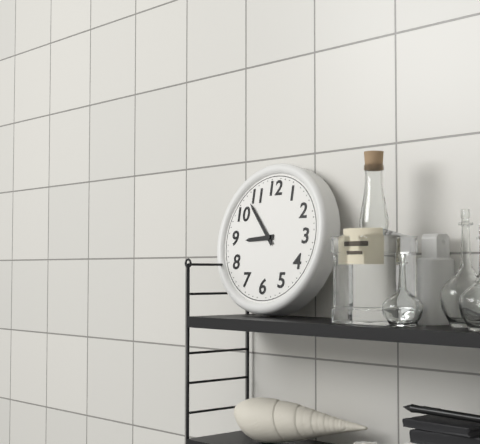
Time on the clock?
8:53
